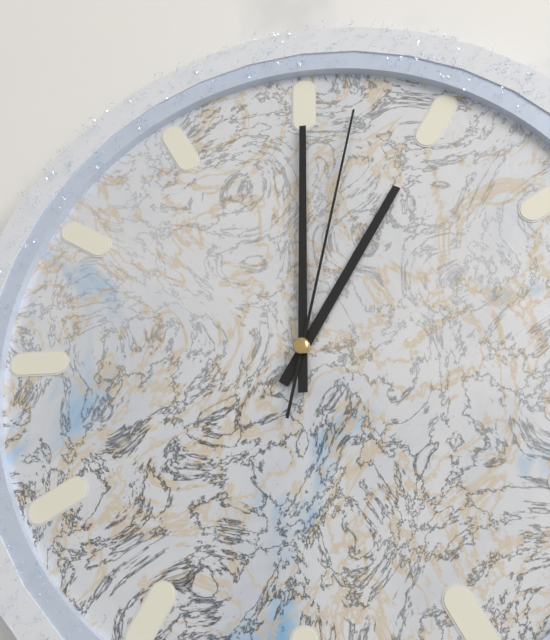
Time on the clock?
1:00:02
